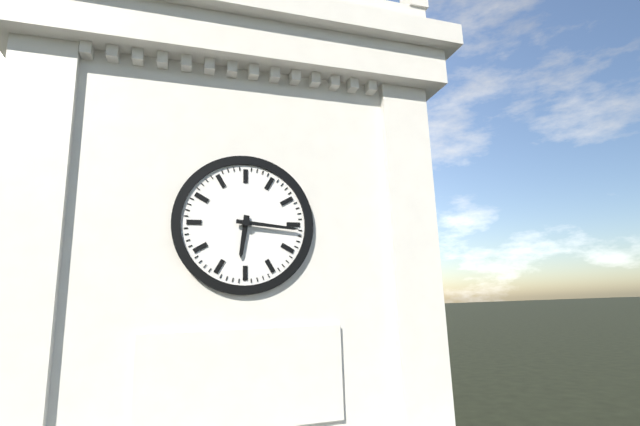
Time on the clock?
6:16
